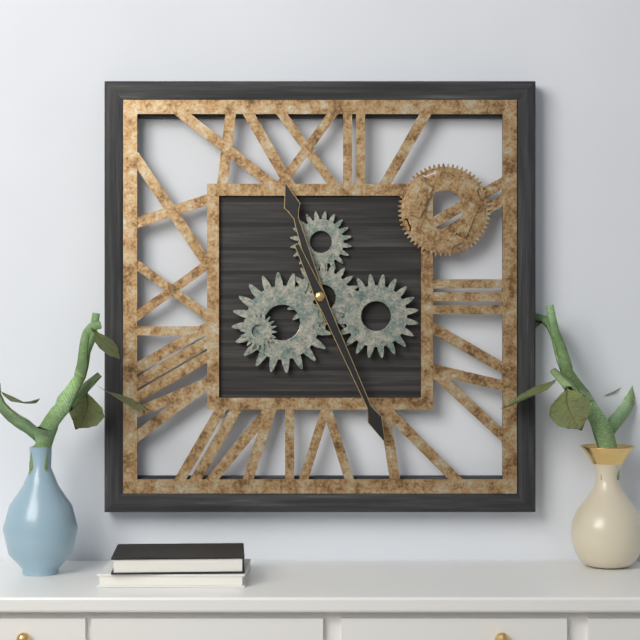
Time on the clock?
11:26
